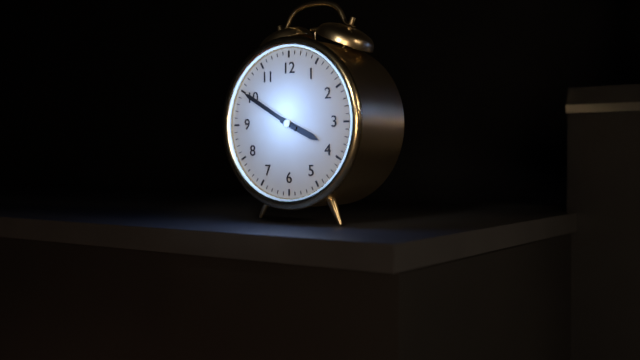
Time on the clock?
3:50
